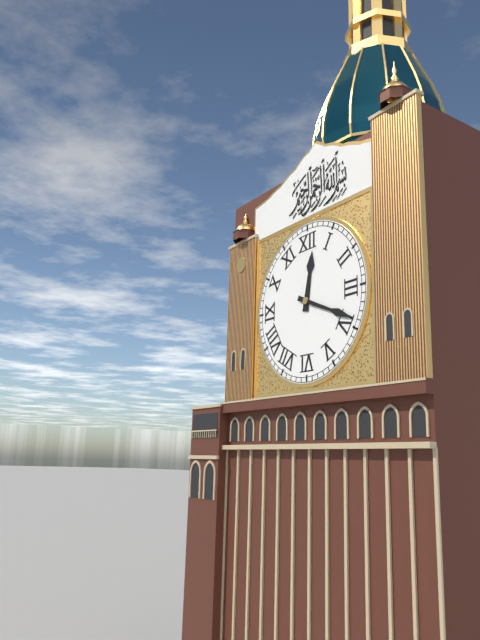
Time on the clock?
12:19
